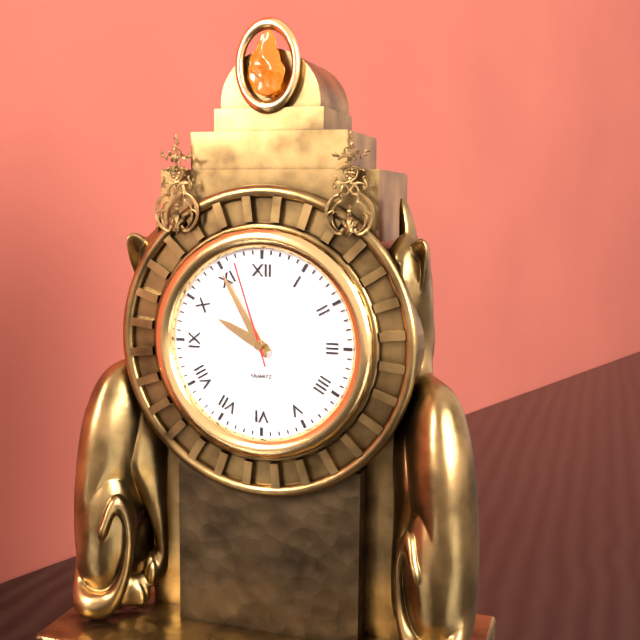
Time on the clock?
9:55:57
